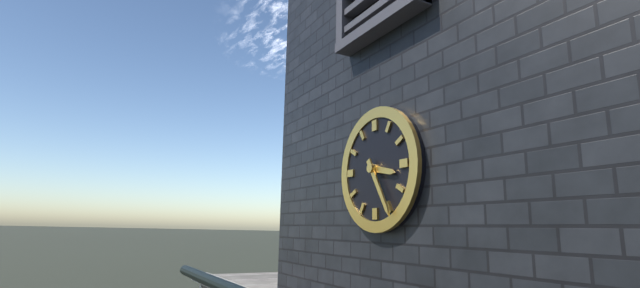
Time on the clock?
3:25
